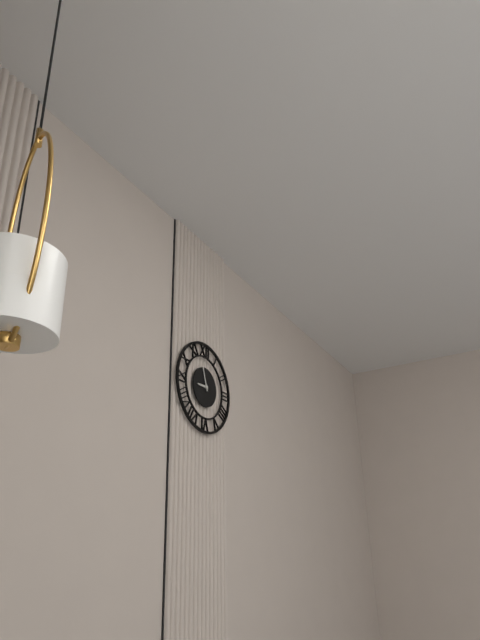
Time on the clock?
8:57
